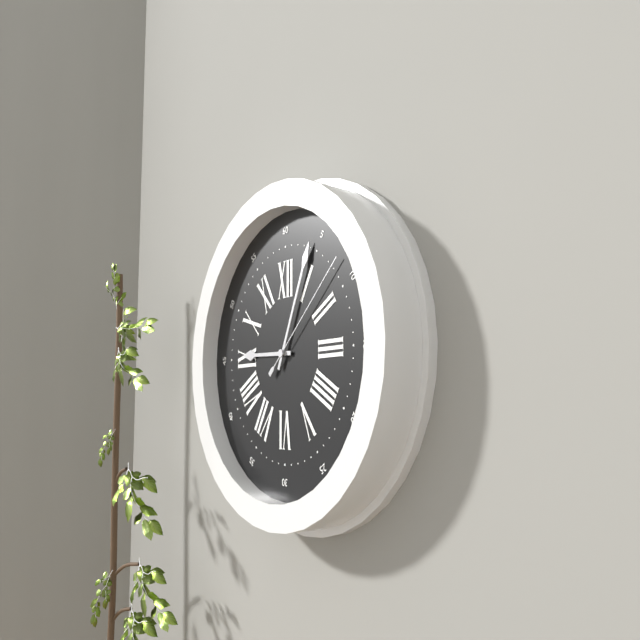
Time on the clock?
9:04:08
